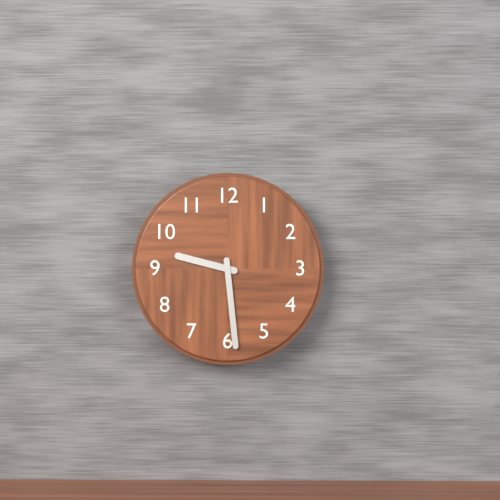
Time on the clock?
9:29
